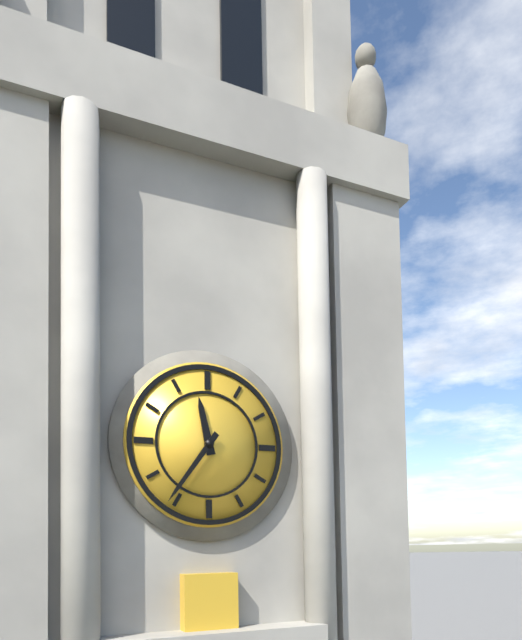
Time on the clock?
11:36
